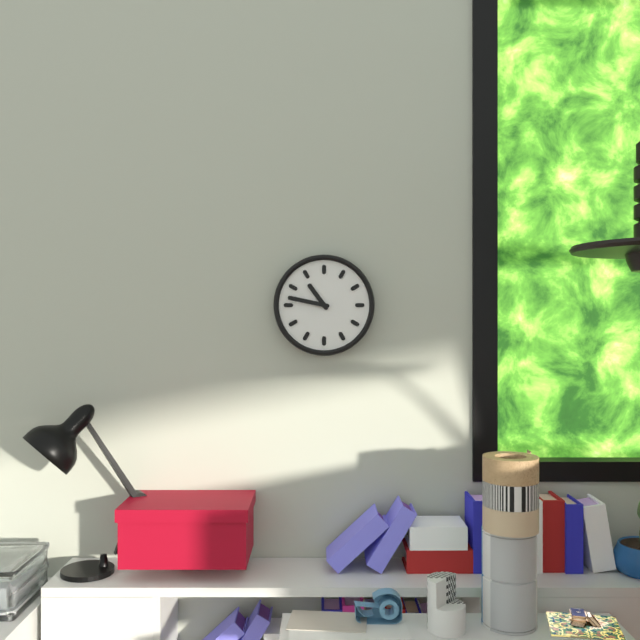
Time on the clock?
10:47
